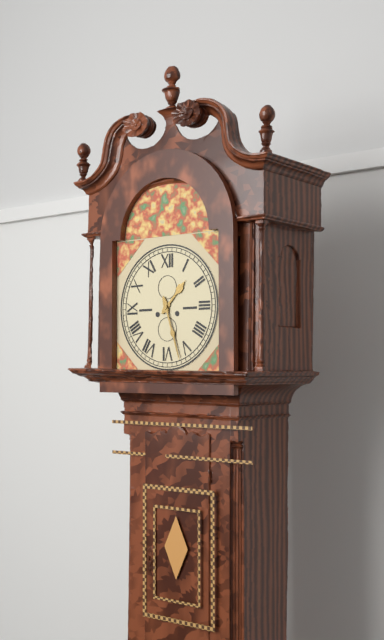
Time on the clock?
1:27
